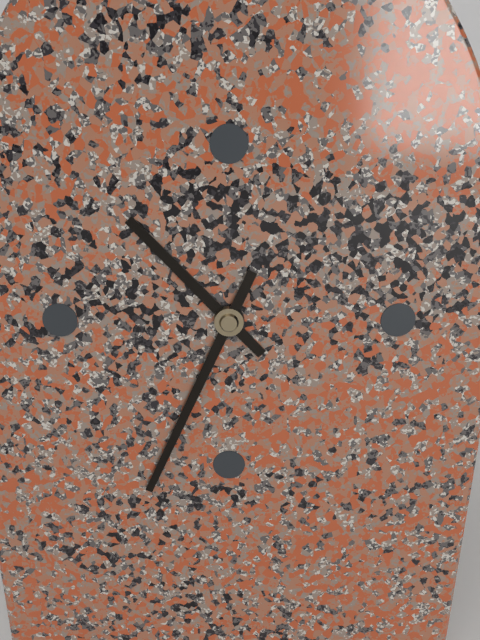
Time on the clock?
10:34
